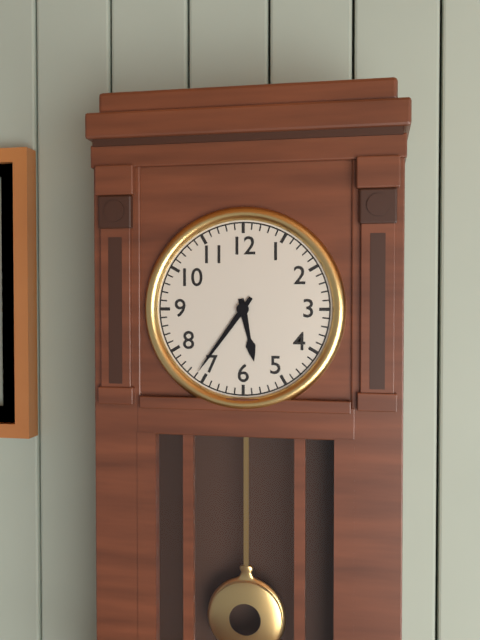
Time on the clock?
5:36
